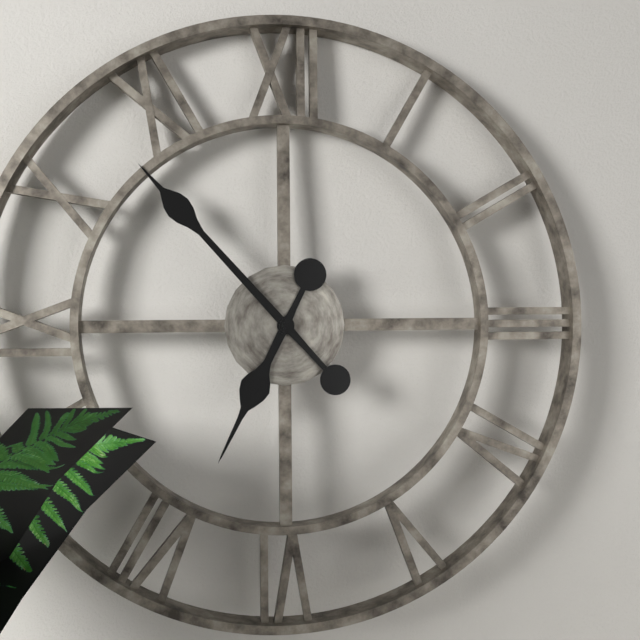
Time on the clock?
6:53
